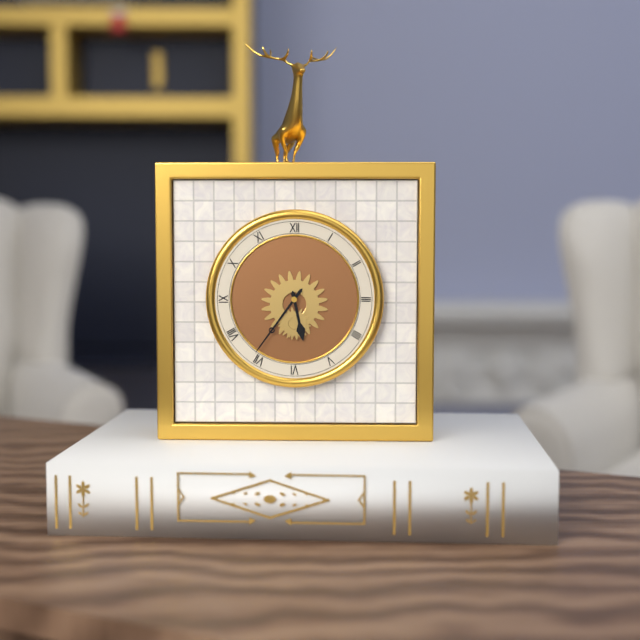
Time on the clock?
5:36
